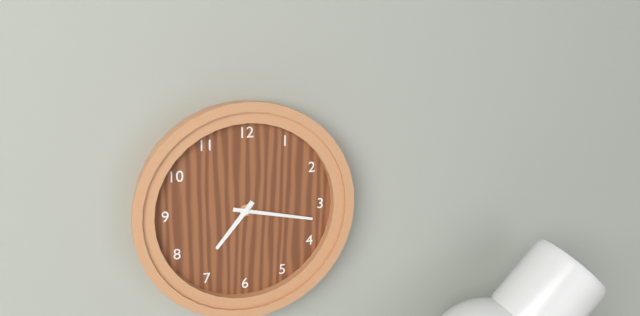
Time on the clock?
7:17
